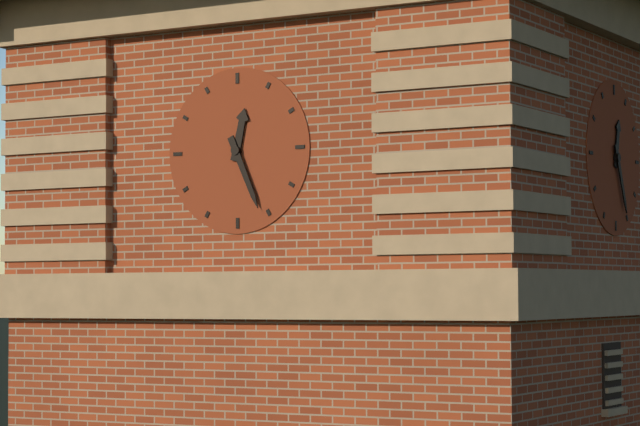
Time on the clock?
12:26
